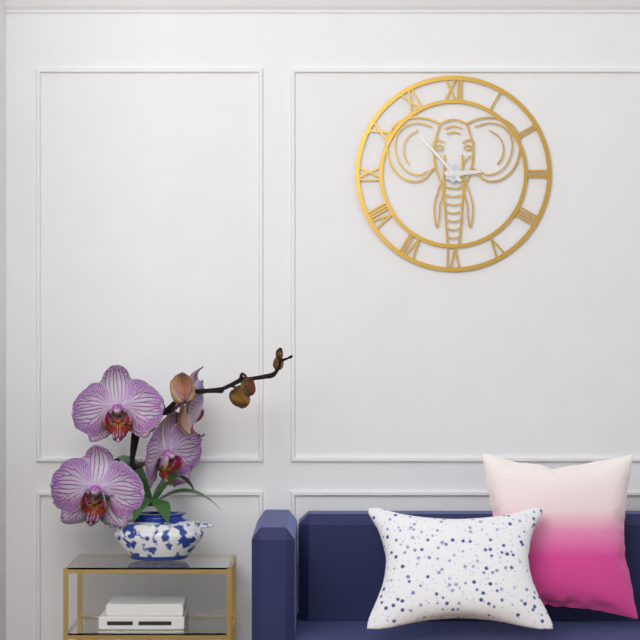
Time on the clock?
2:53
